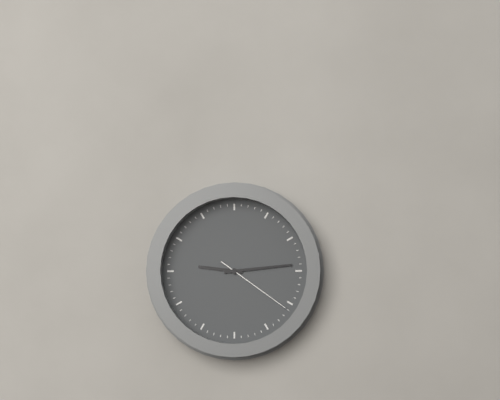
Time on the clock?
9:14:21
